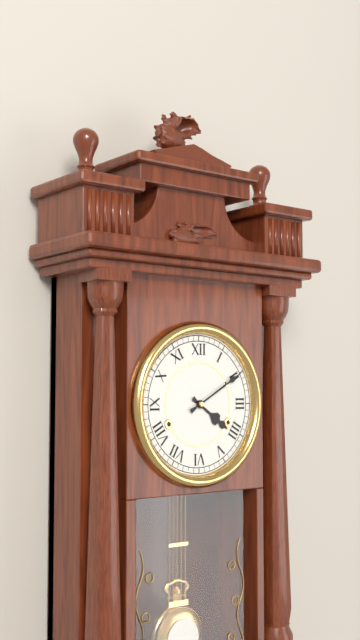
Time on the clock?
4:10
